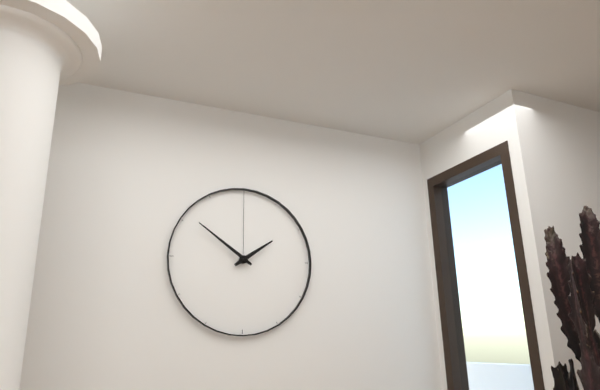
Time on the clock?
1:51
